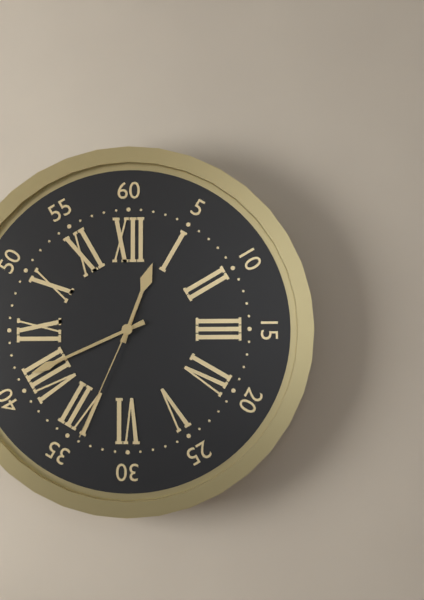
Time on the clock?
12:41:34
